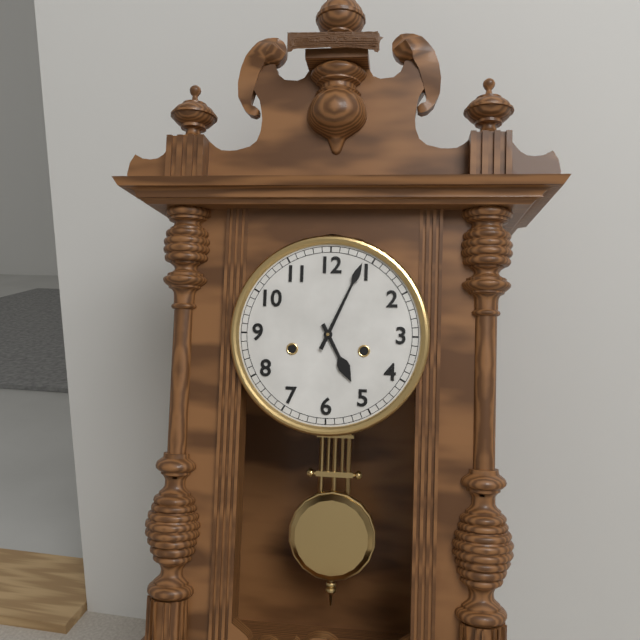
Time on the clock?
5:04
